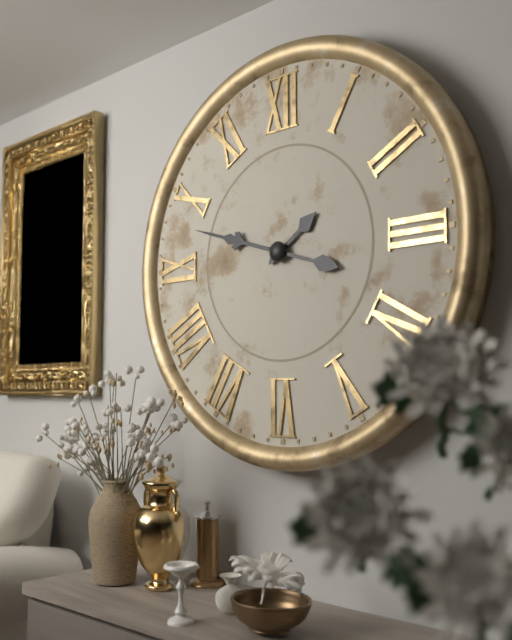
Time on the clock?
1:48
